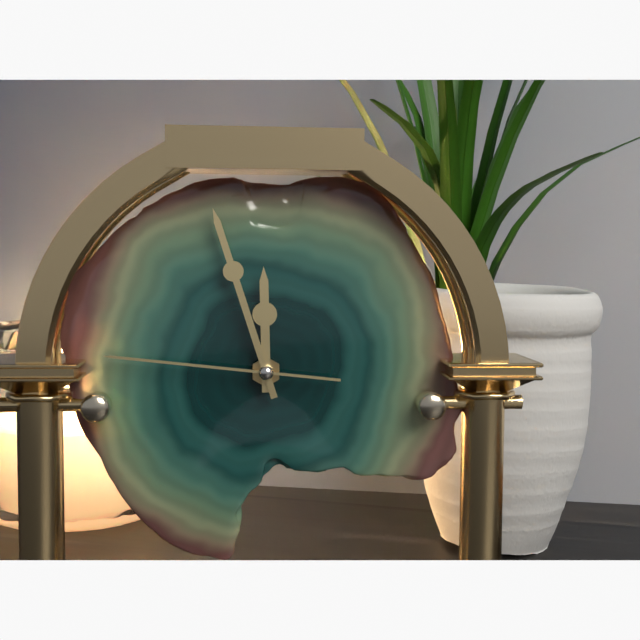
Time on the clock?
11:57:46
